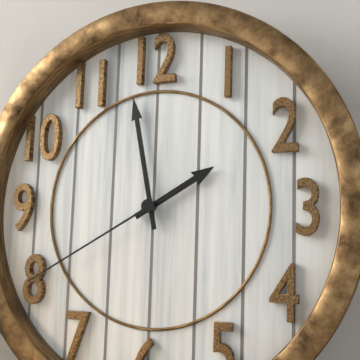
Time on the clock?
1:58:40
